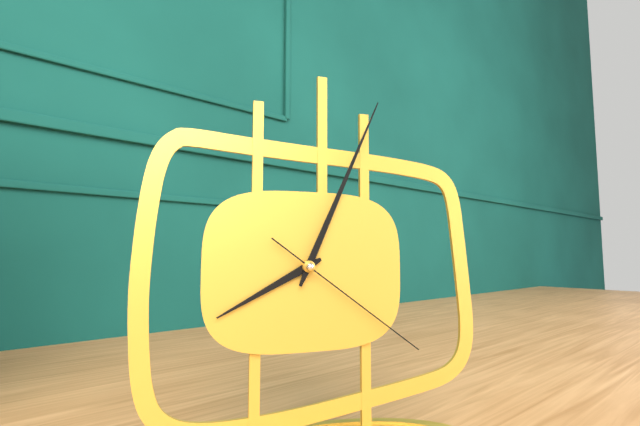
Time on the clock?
8:04:21
